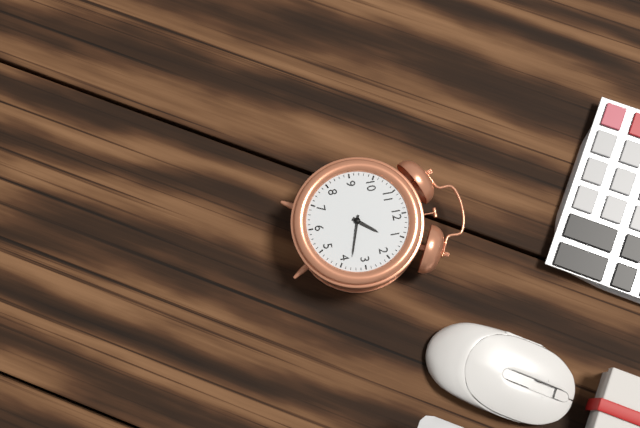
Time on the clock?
1:18
